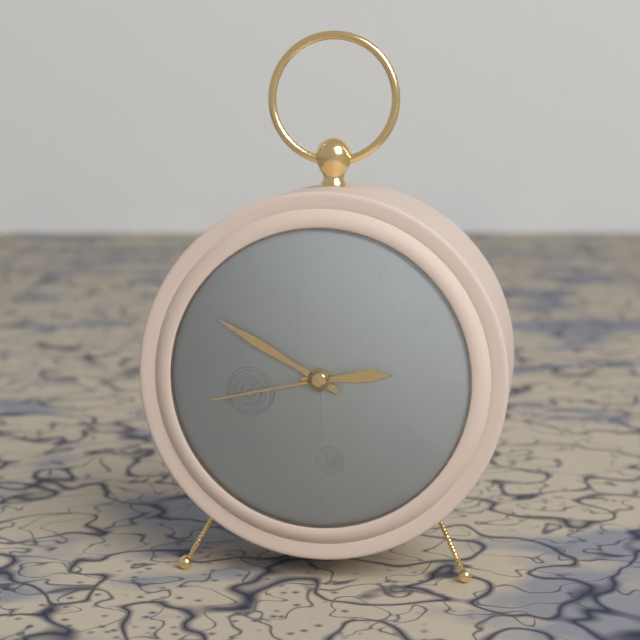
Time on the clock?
2:50:43
